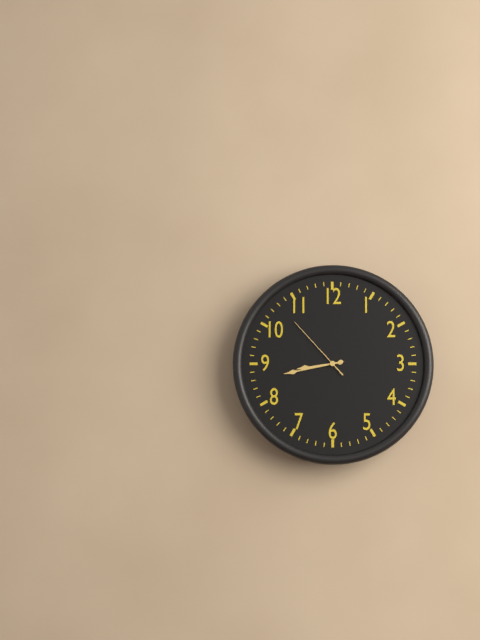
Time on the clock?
8:43:53
